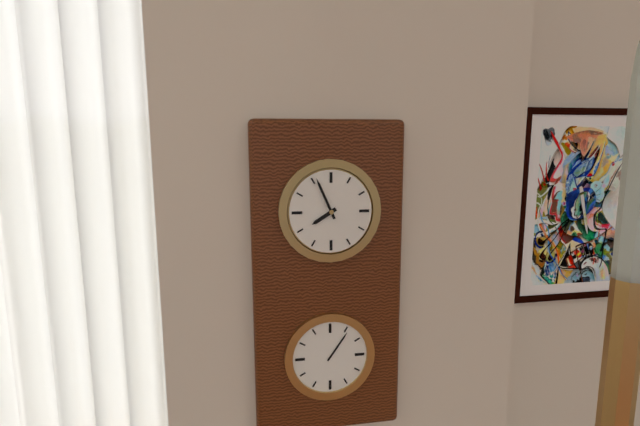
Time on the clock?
7:56
